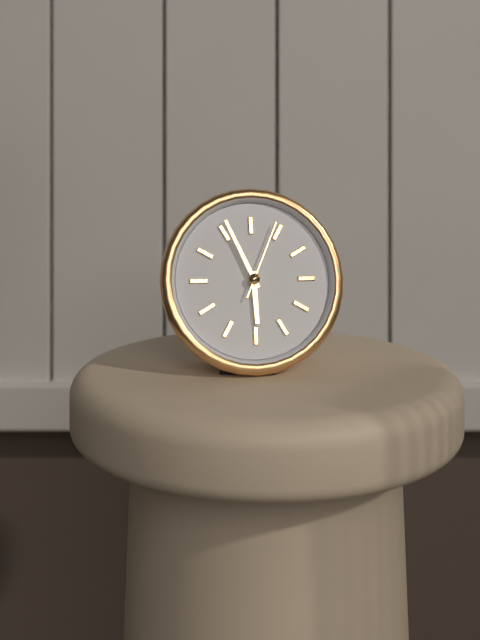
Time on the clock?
5:56:04
